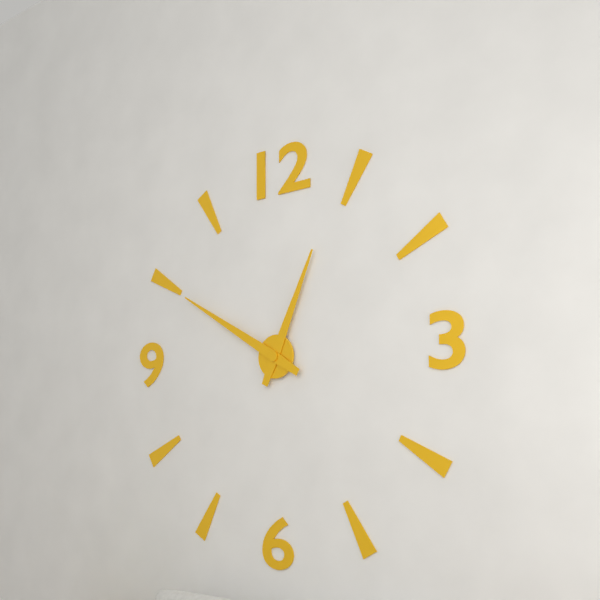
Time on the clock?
12:50
